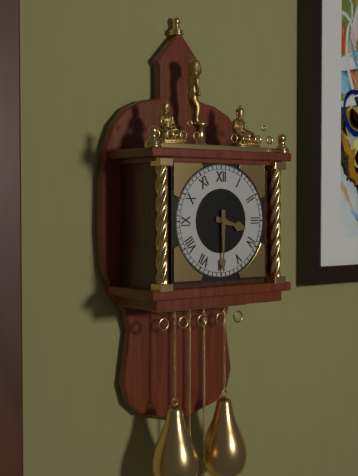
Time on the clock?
3:30
